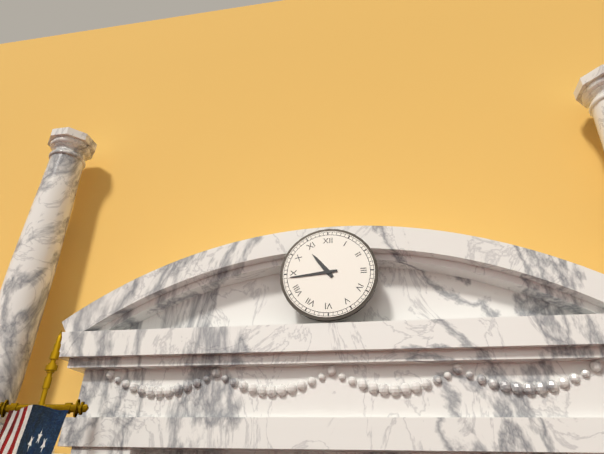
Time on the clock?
10:44
